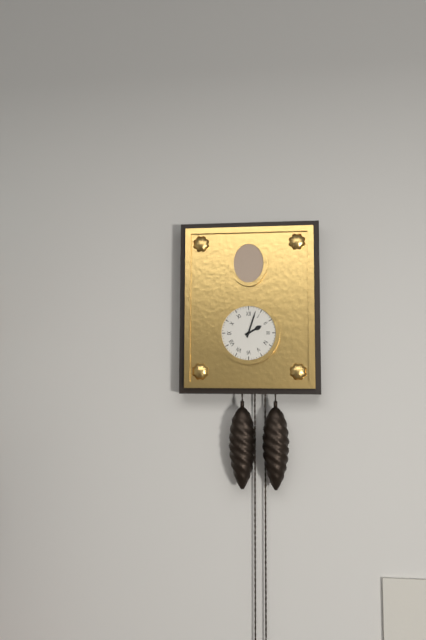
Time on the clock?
2:03
